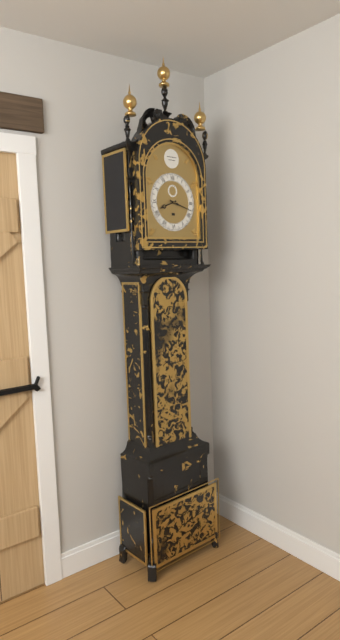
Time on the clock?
8:18
